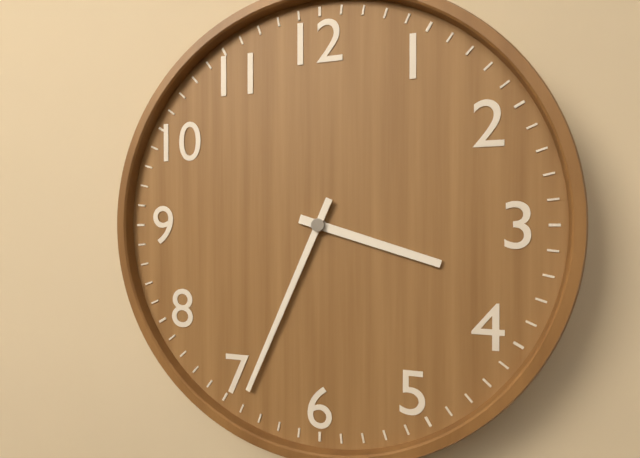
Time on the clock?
3:34
